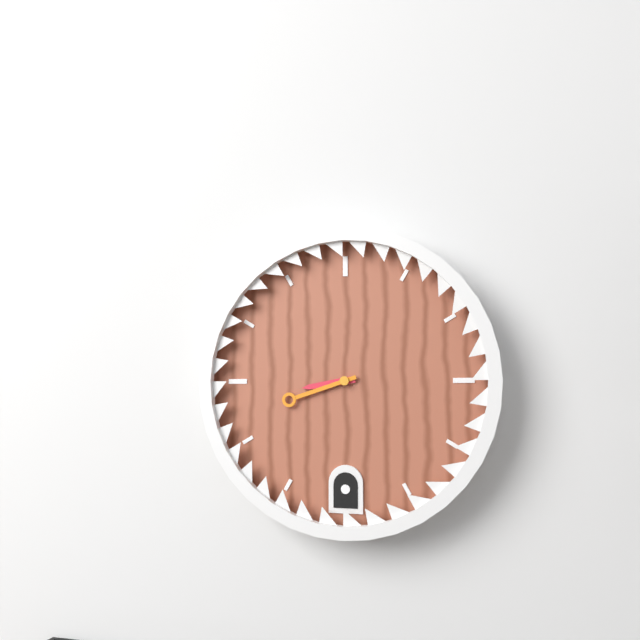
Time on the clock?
8:42
